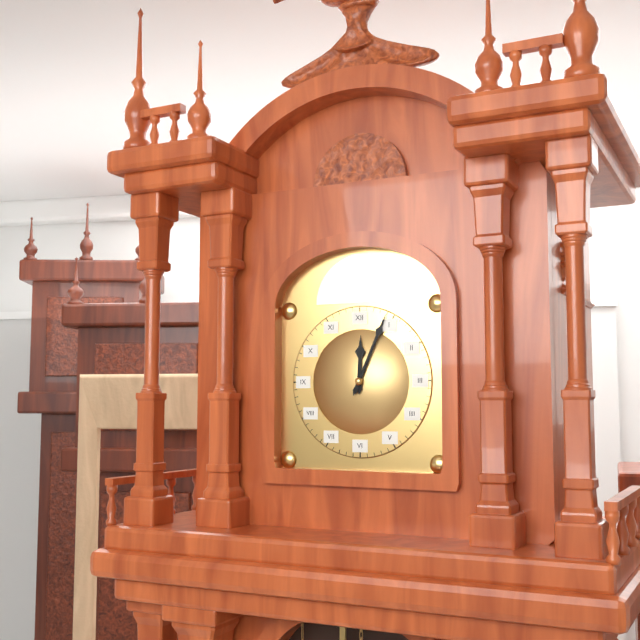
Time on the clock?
12:04
